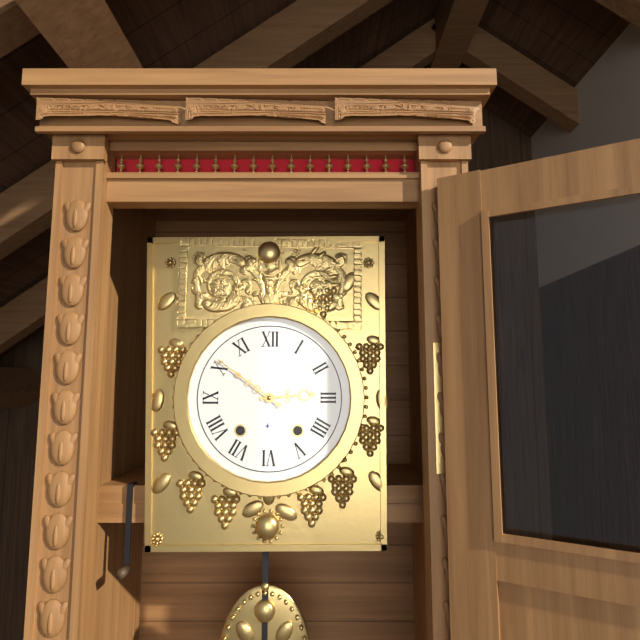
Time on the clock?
2:51
